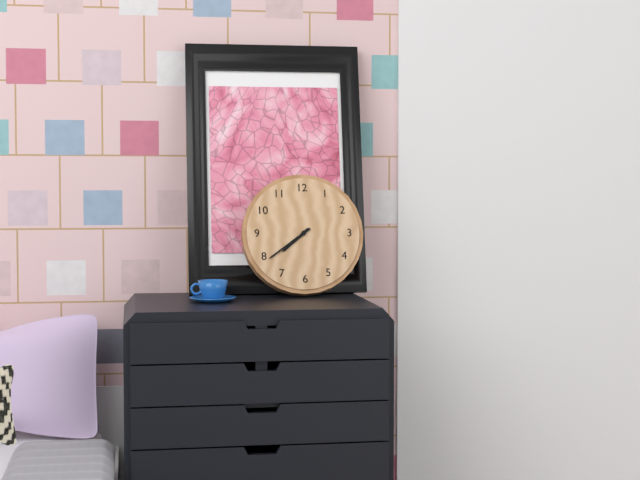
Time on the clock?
7:39
